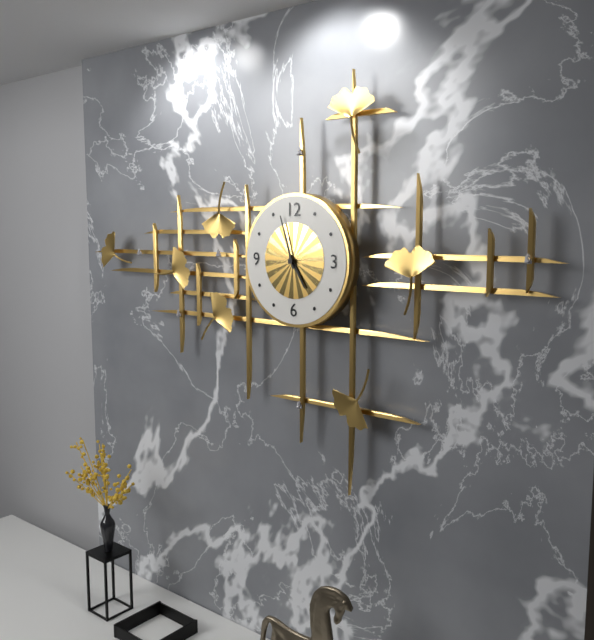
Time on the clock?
4:57
